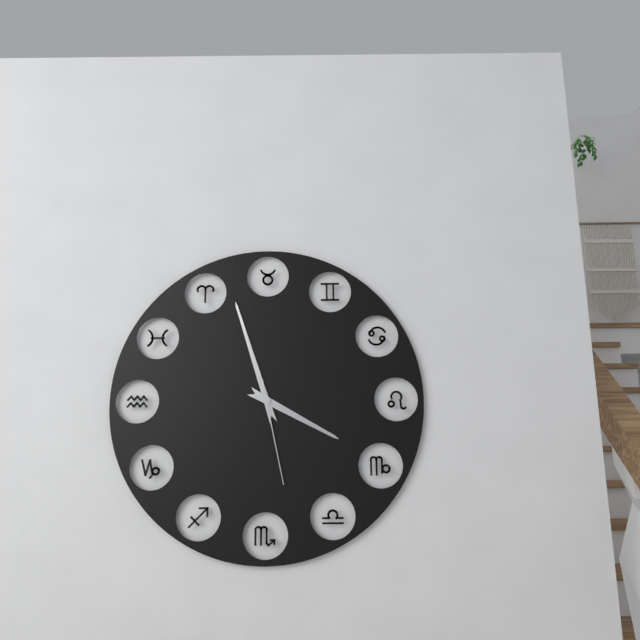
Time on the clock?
3:57:28
